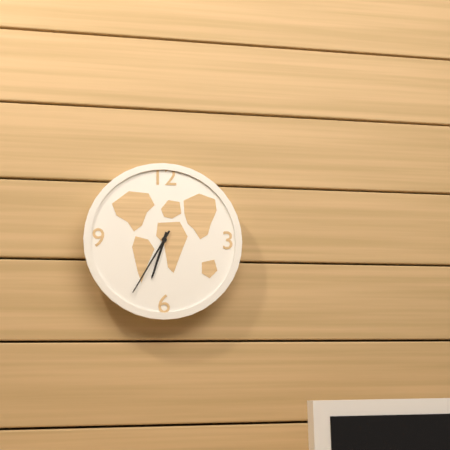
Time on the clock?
6:35
